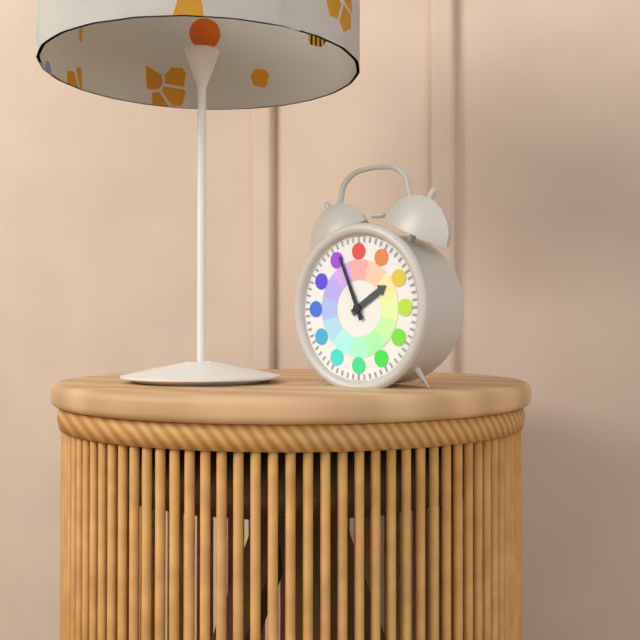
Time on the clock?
1:56
